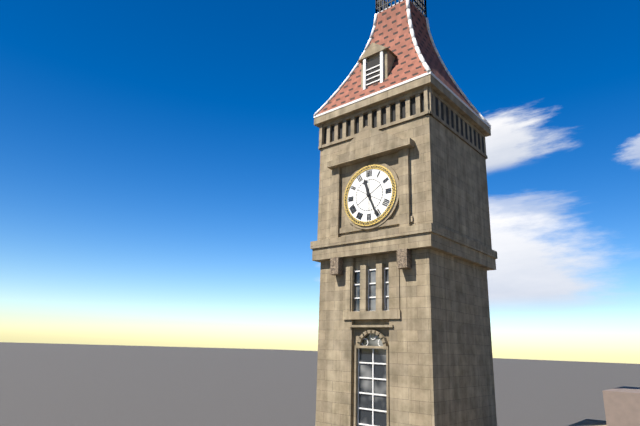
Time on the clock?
11:26
